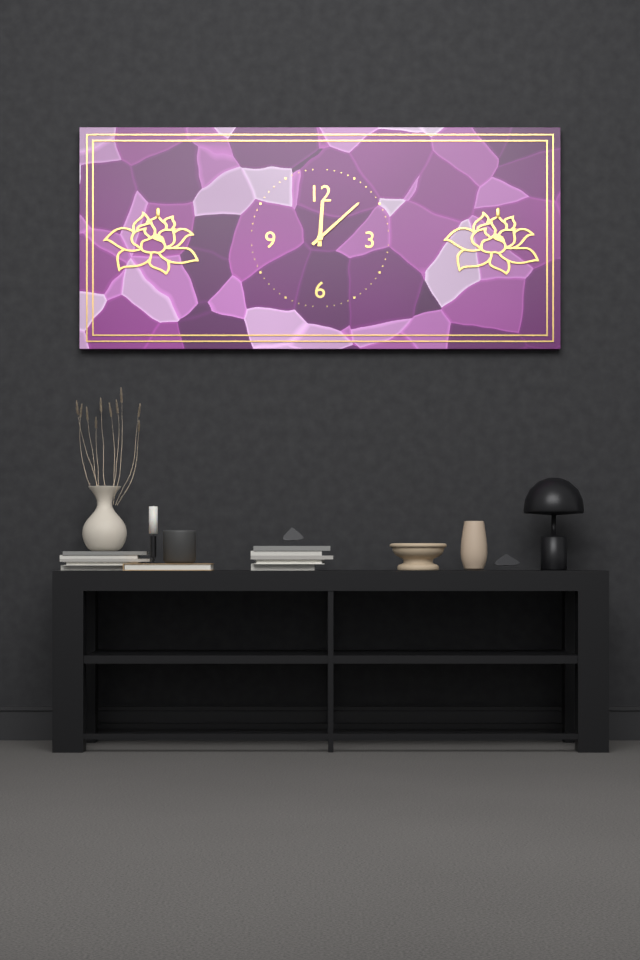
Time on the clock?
12:08
